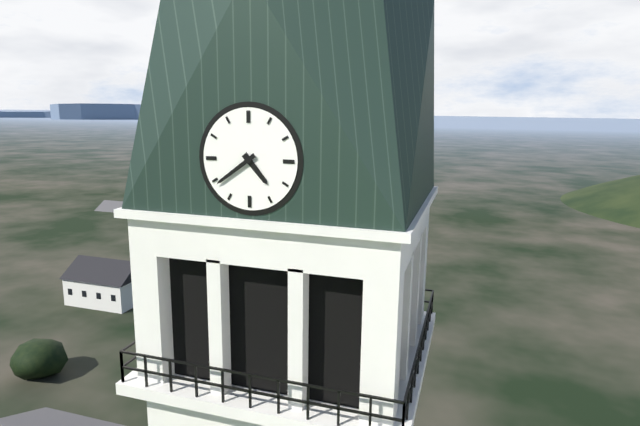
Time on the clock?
4:39
